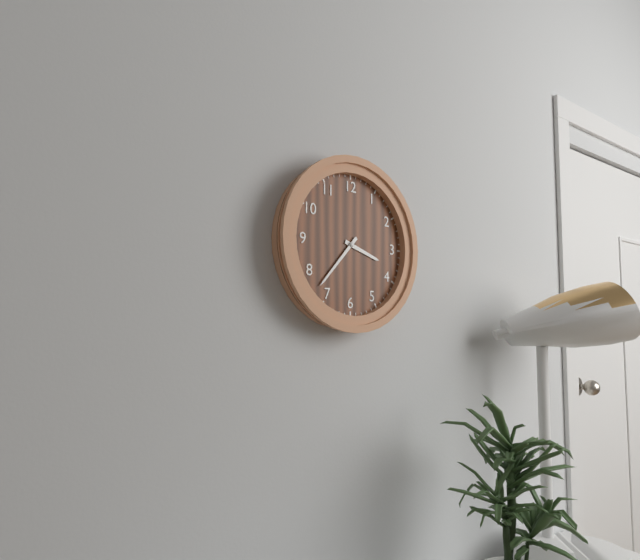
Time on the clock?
3:37
